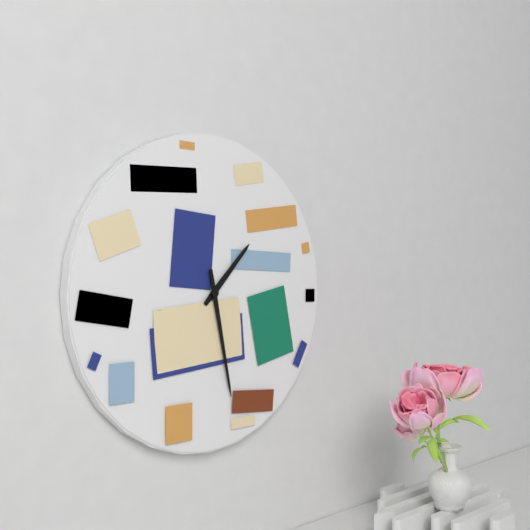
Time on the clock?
1:28
